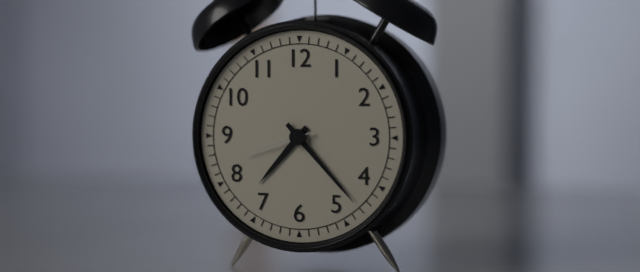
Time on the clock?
7:23:42
